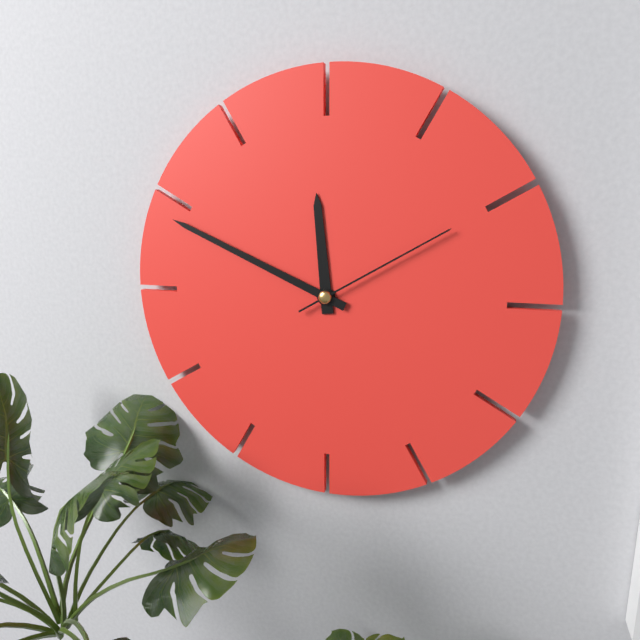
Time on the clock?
11:49:10
